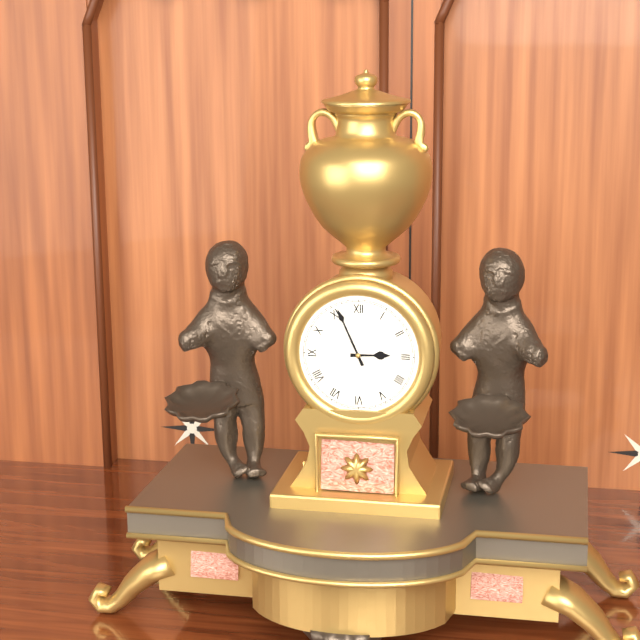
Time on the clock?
2:56
